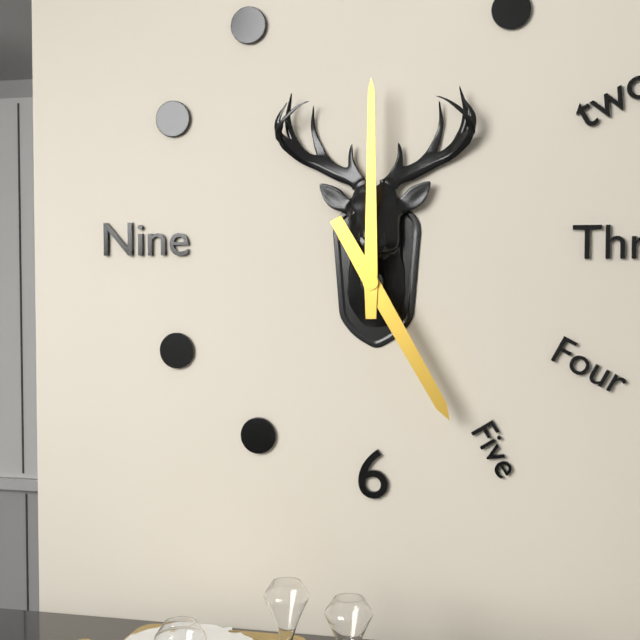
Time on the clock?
5:00
